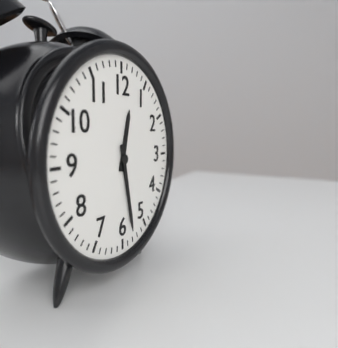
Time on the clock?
12:28
